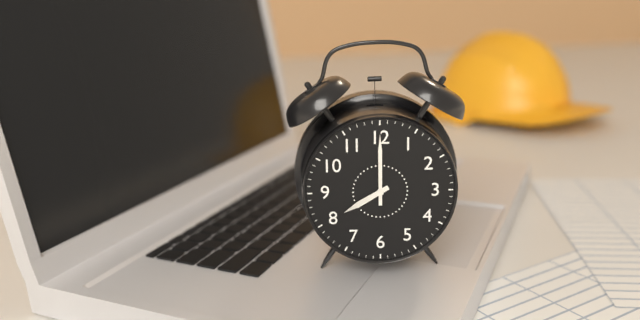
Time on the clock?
8:00
